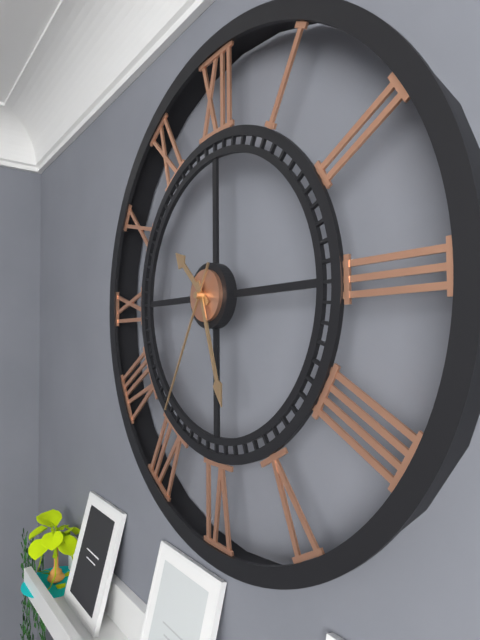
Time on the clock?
10:27:35
